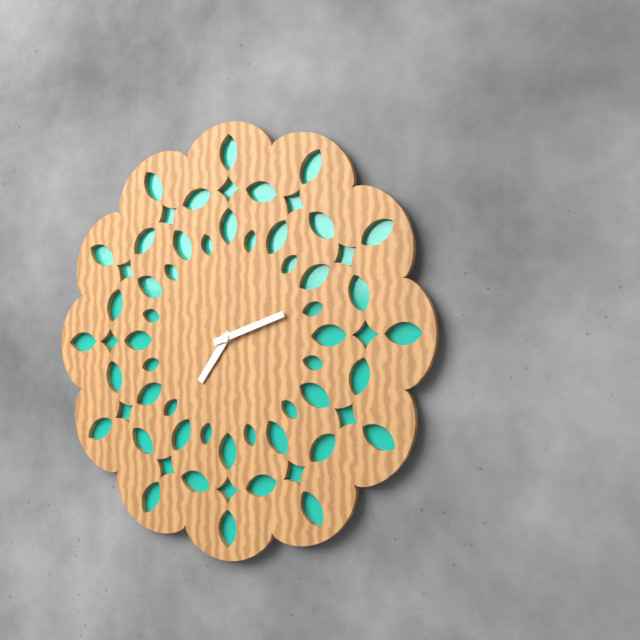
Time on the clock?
7:12
